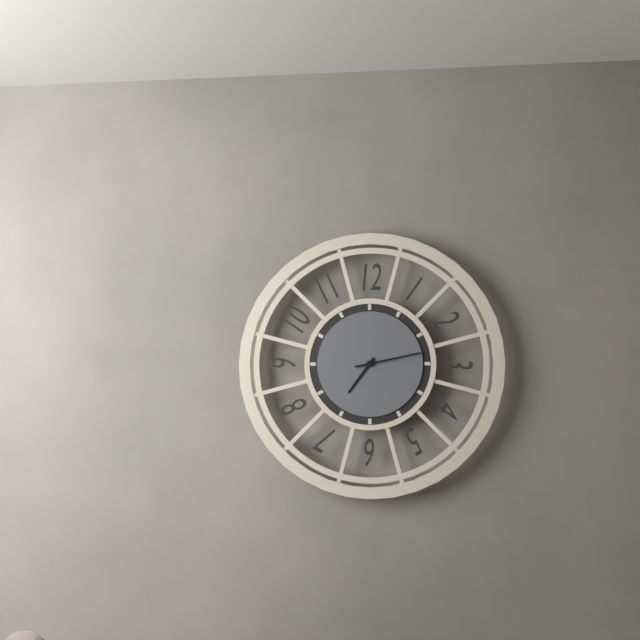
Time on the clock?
7:13
